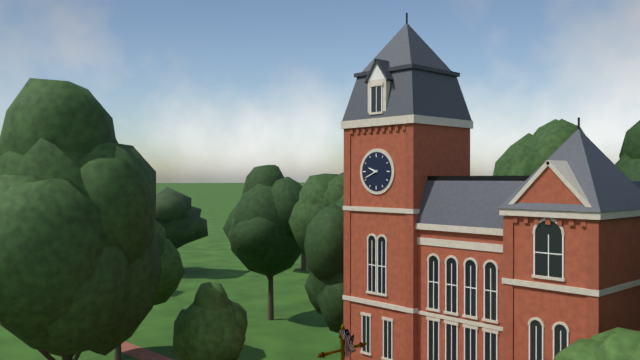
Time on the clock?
9:41
